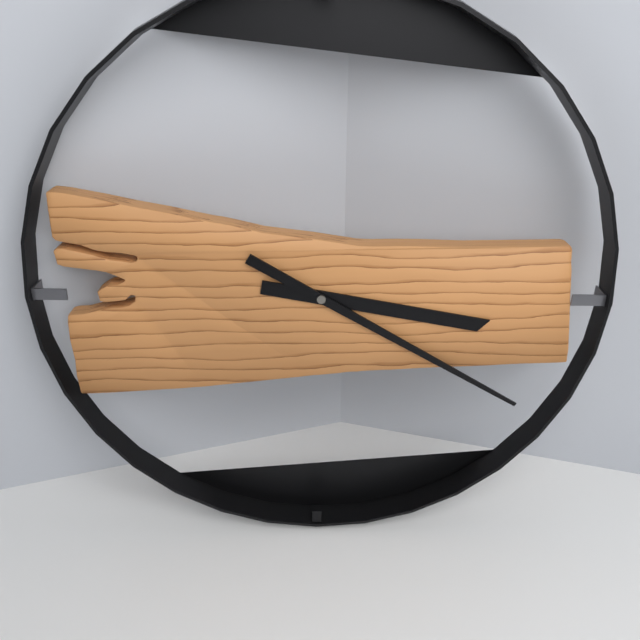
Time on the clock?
3:20
